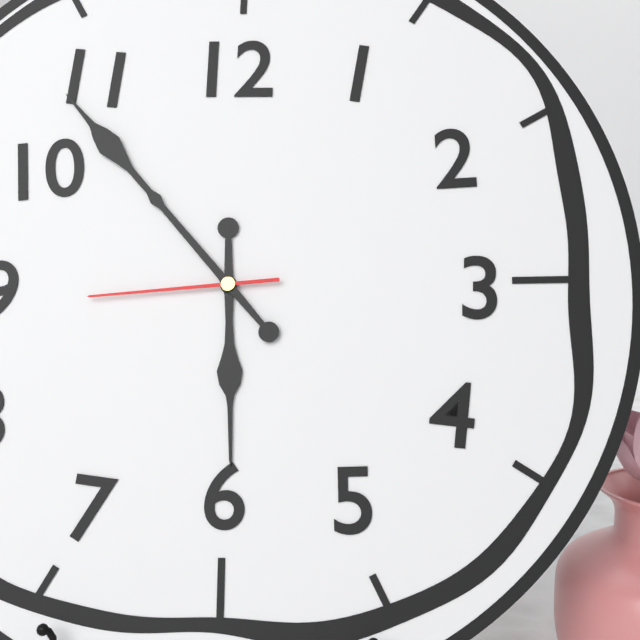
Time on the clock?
5:53:44
